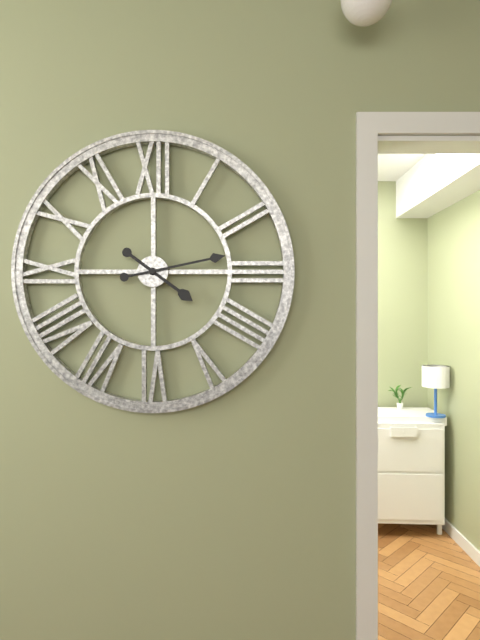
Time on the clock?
4:13
